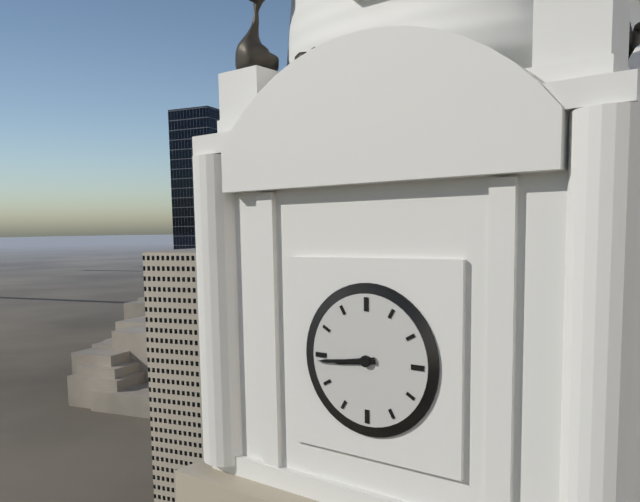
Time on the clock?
8:44
